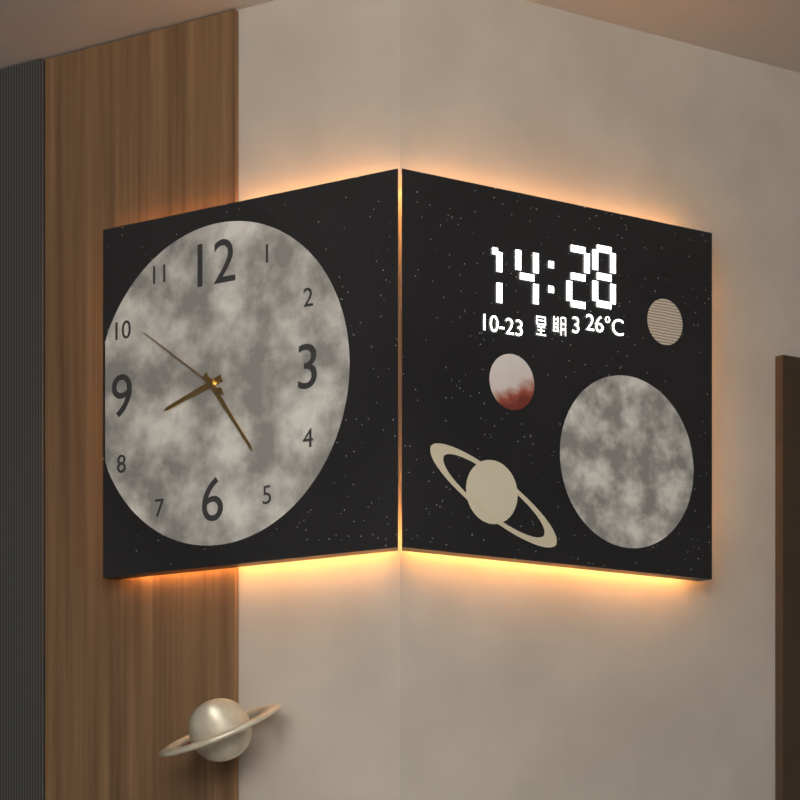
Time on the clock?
8:24:51
